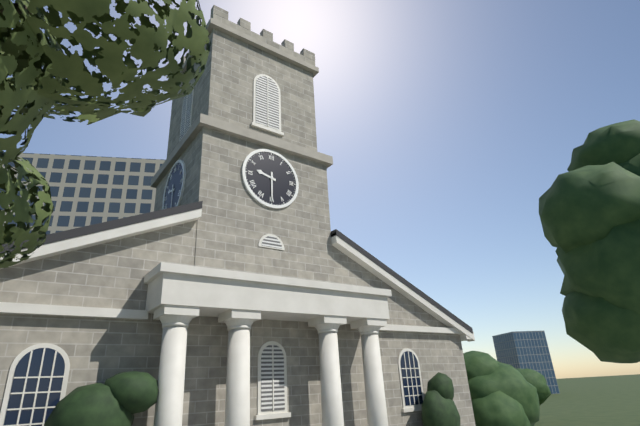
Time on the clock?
9:30
